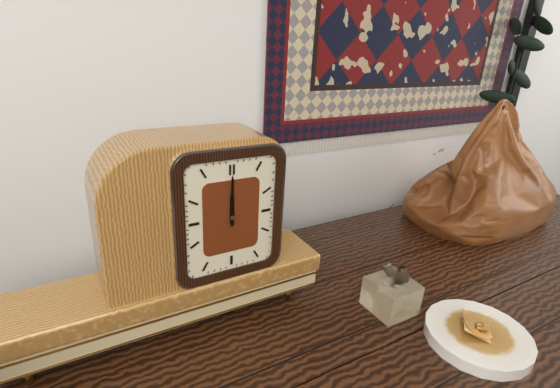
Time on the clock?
12:00
